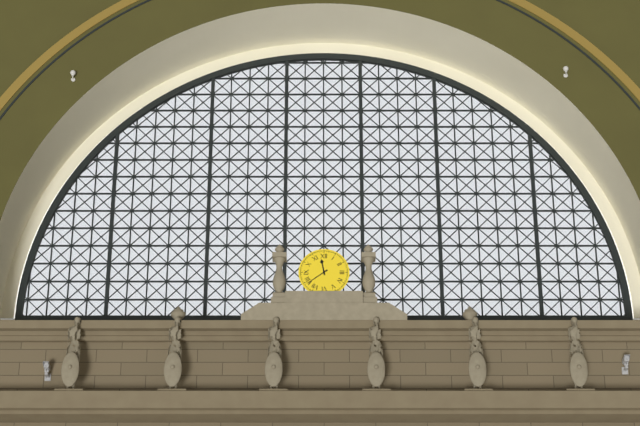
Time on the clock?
11:39
